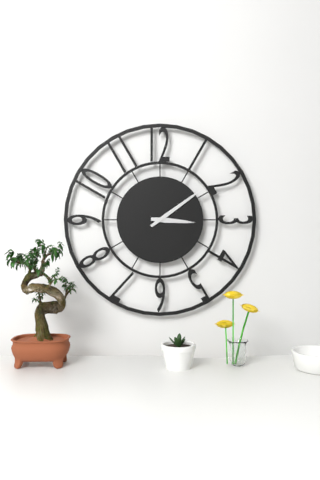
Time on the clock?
3:09
